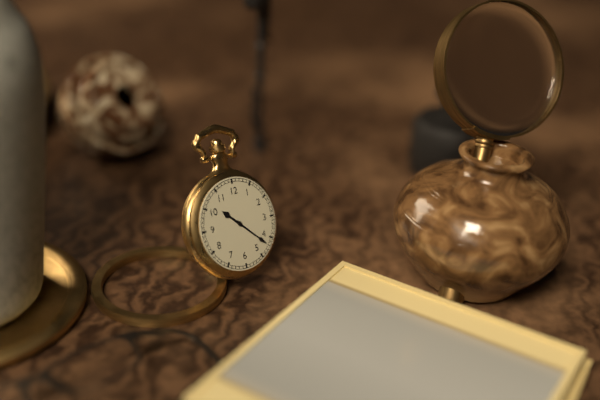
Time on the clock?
10:22
